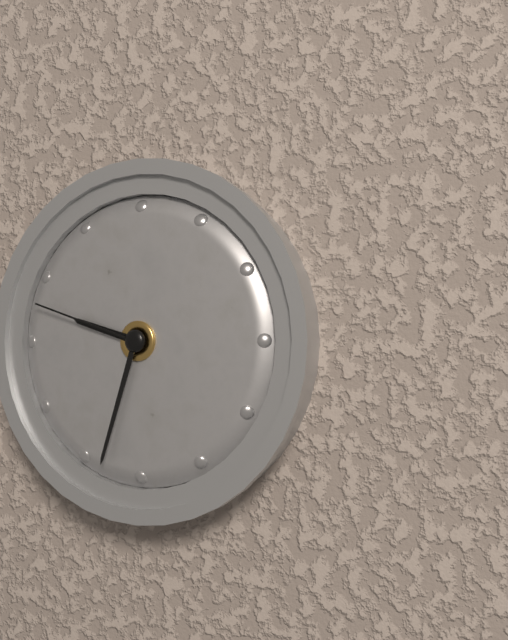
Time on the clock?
9:33:48
